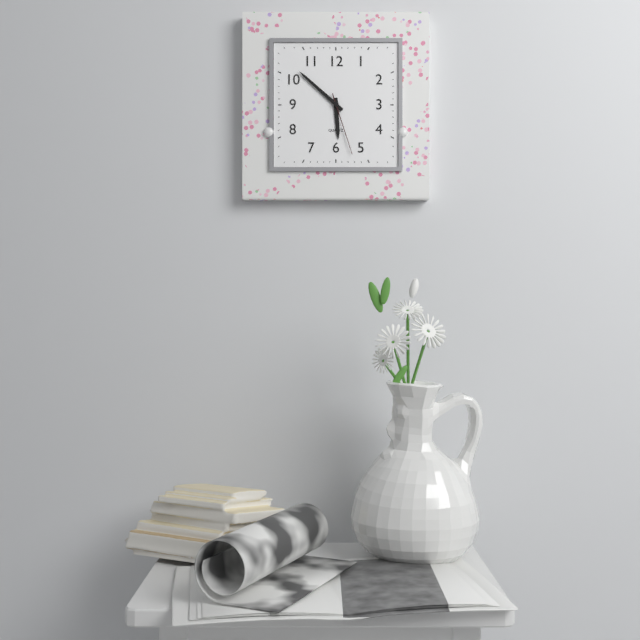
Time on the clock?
5:52:27
